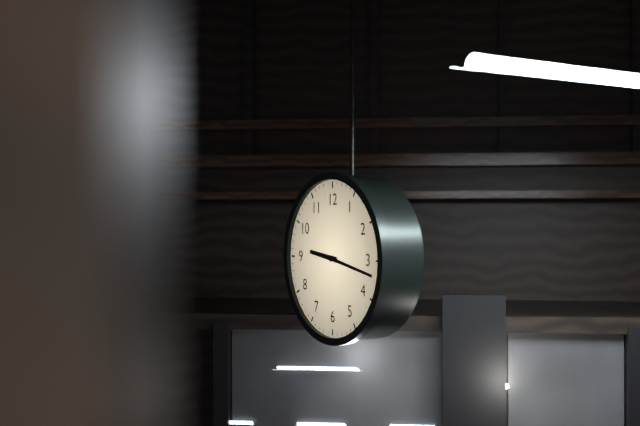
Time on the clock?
9:17
